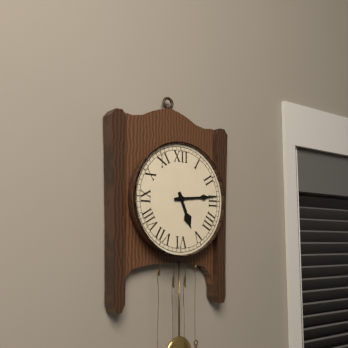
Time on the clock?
5:14
